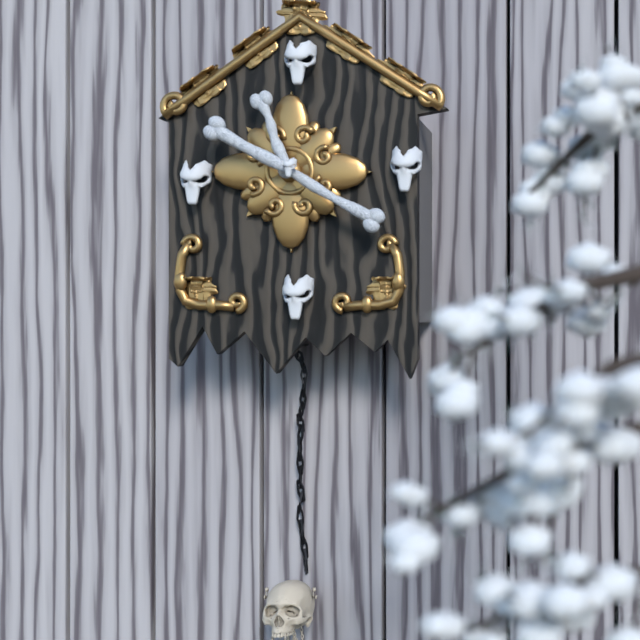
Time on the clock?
11:20
